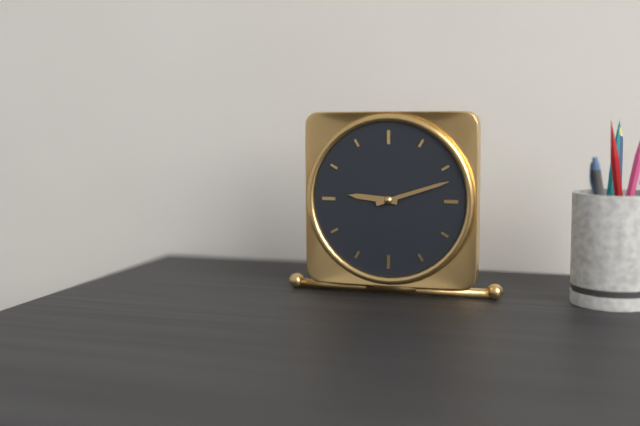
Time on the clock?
9:12
